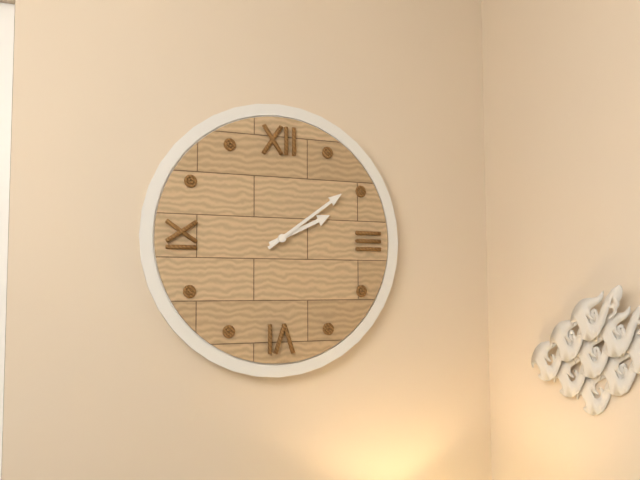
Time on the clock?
2:09
